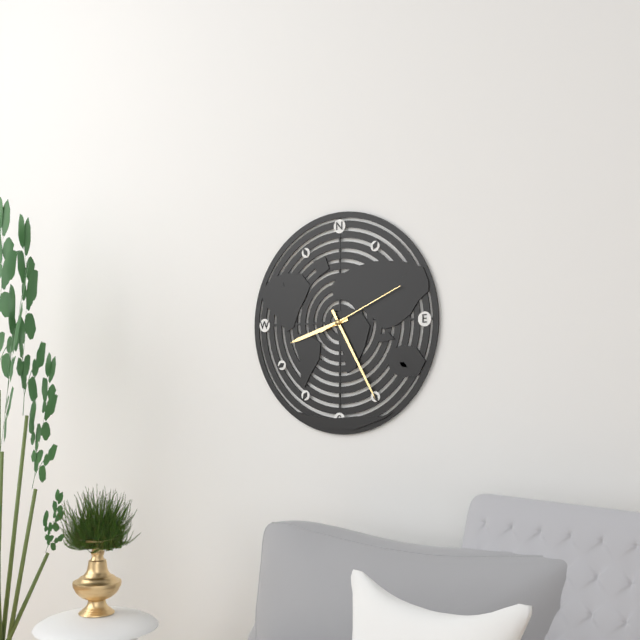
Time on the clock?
8:25:11
